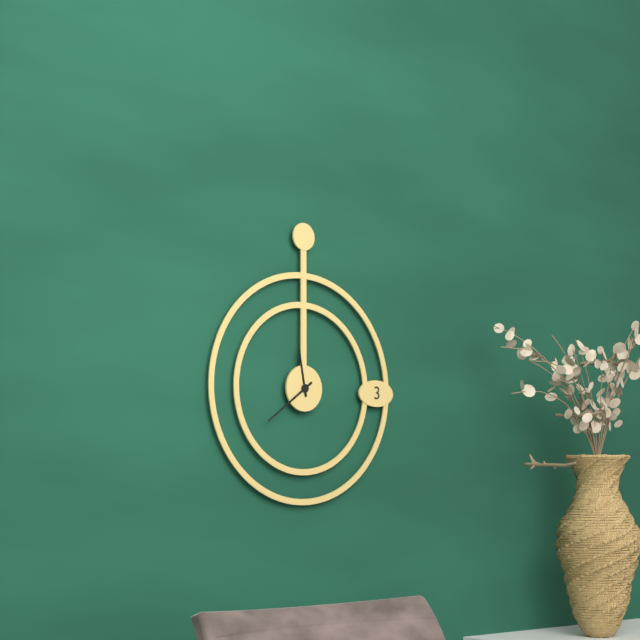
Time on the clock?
11:39
